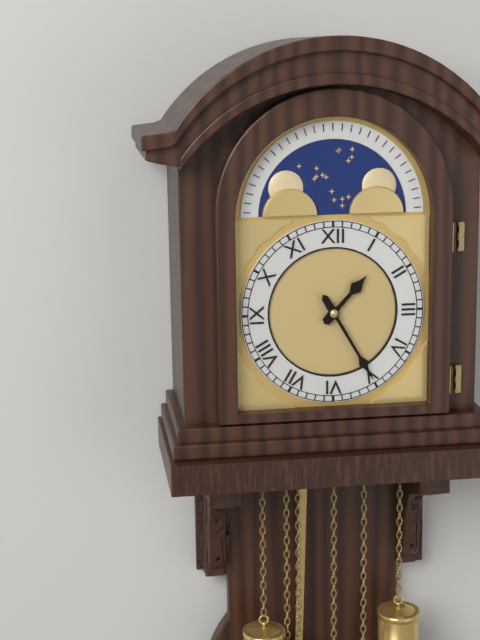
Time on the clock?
1:25
